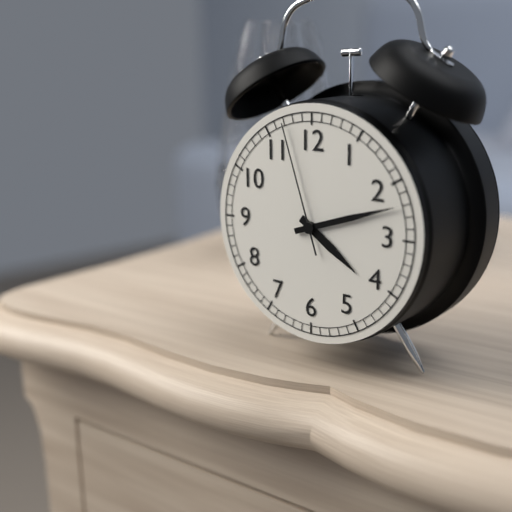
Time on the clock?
4:12:57
